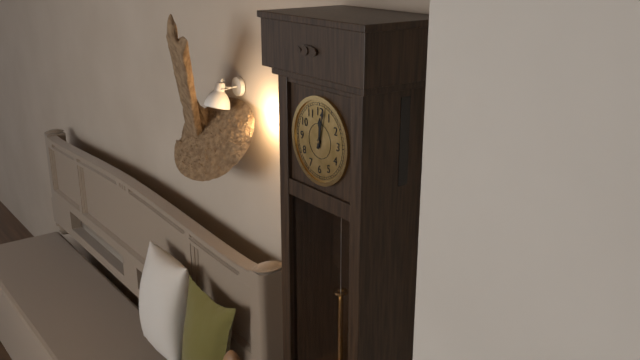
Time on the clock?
12:02
